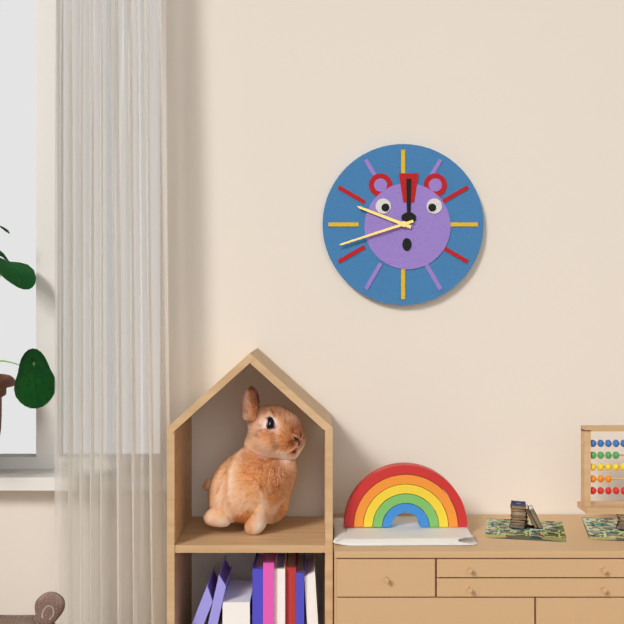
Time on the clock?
9:42
